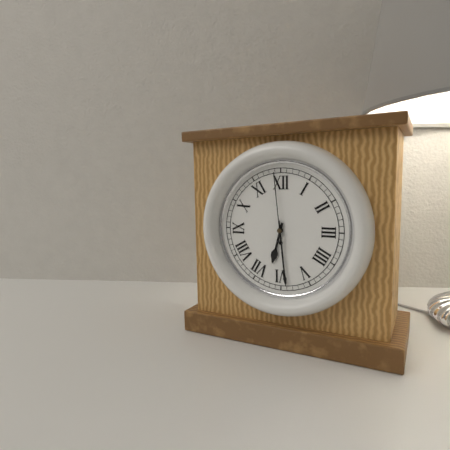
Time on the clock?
6:29:59
